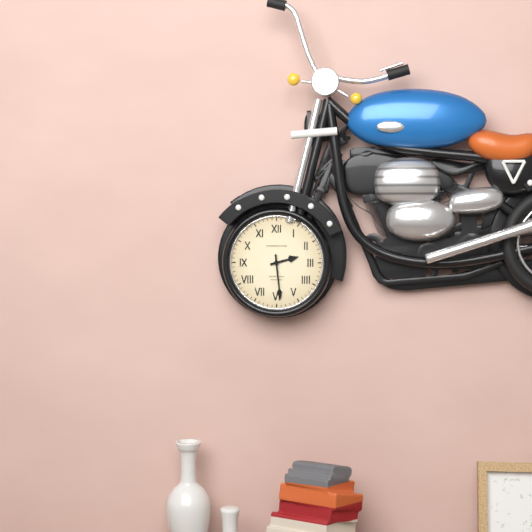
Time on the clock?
2:29
